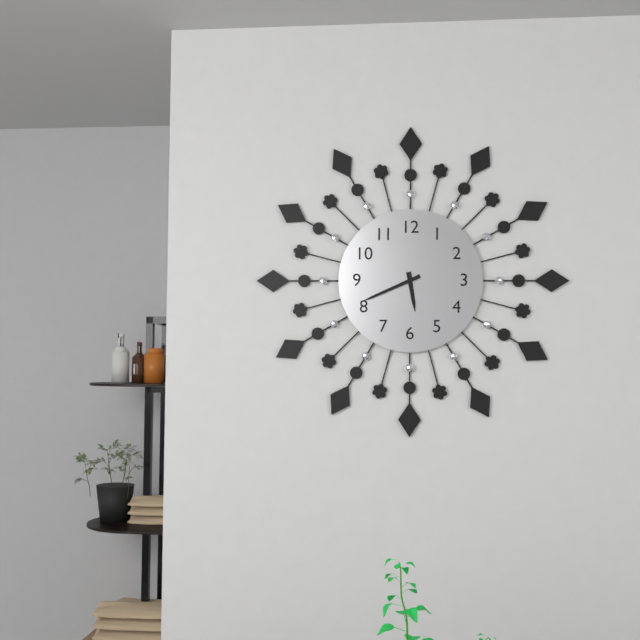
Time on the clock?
5:41
